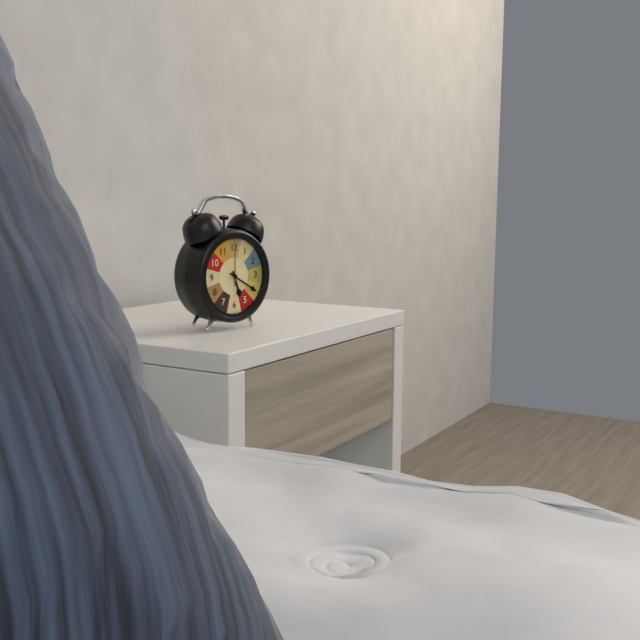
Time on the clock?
5:20
